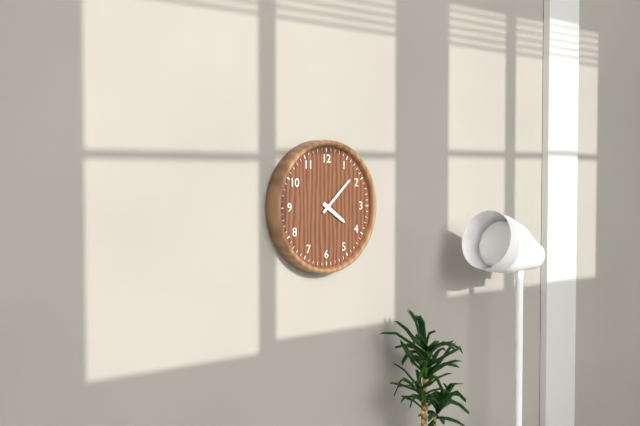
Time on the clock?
4:08
